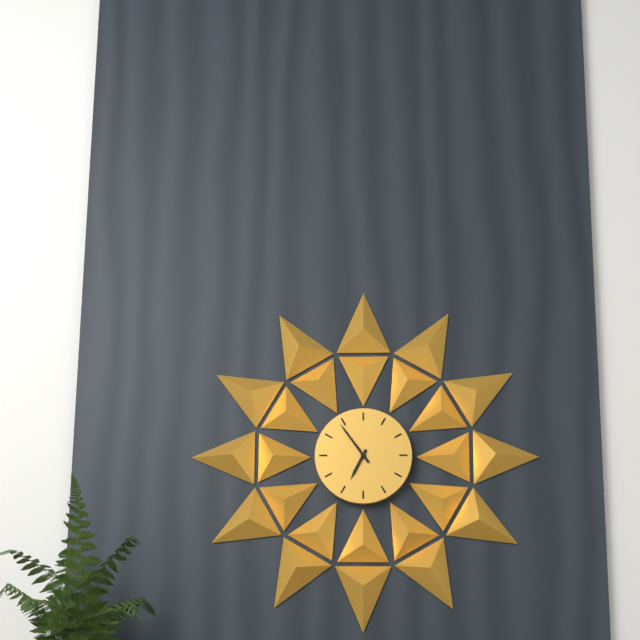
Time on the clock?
6:54
